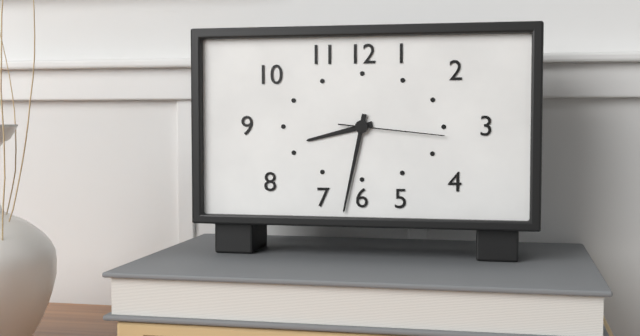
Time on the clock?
8:32:16
